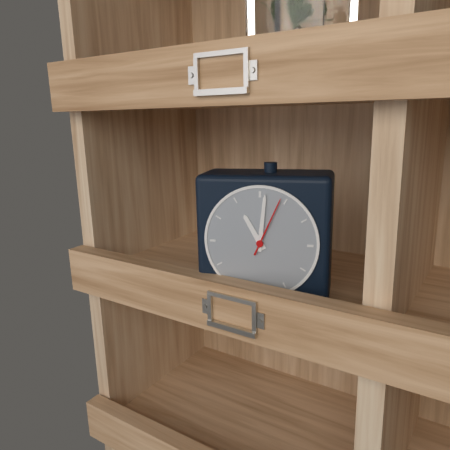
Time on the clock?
11:01:04
